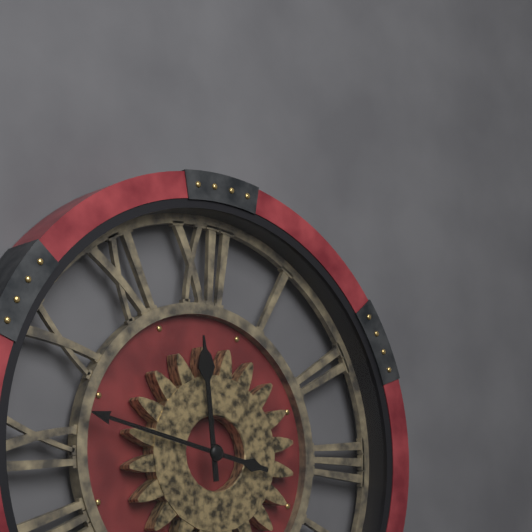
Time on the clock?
11:47
